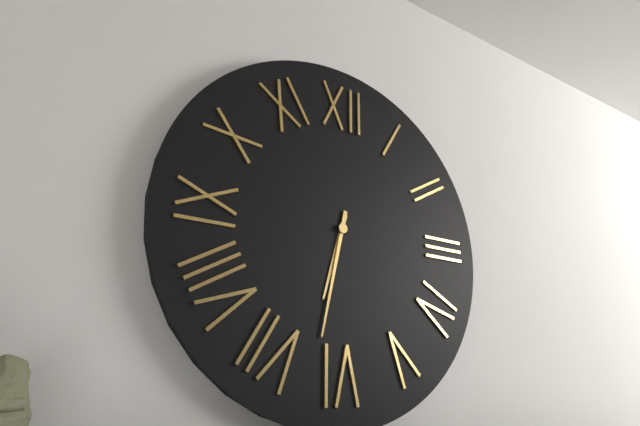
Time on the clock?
6:32
